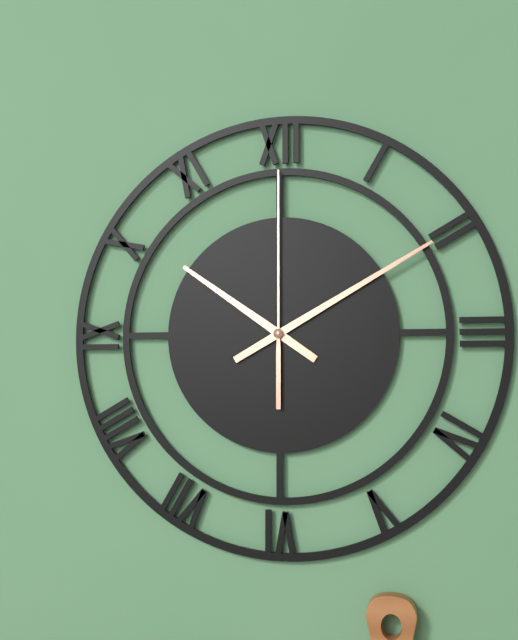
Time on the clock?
10:10:00
